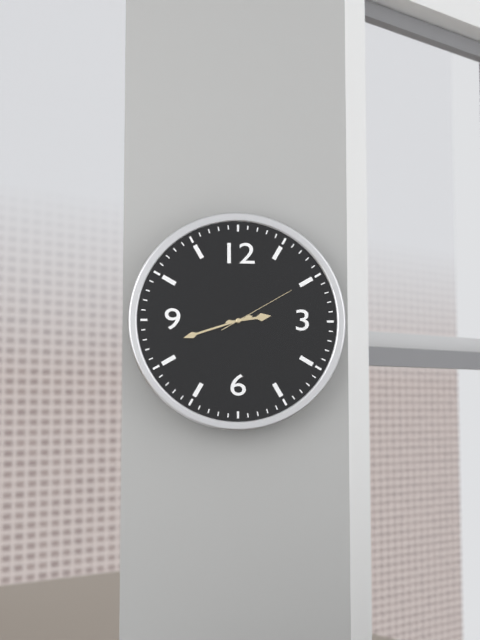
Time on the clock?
2:42:10
